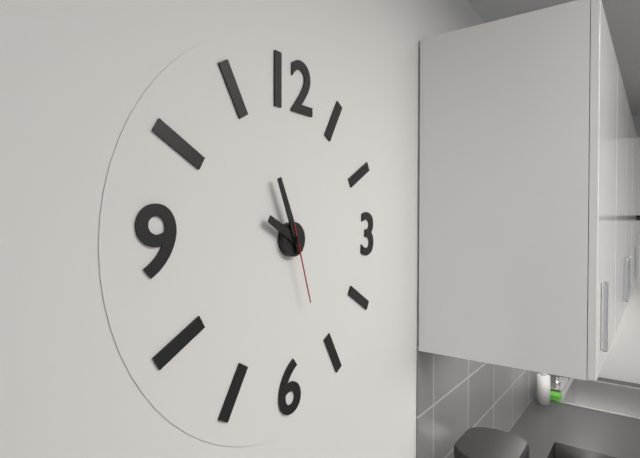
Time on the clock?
9:56:27
